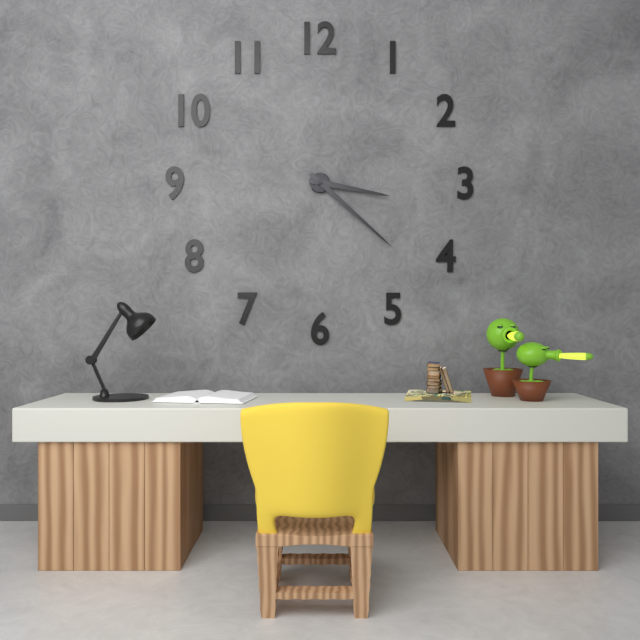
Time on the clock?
3:22
